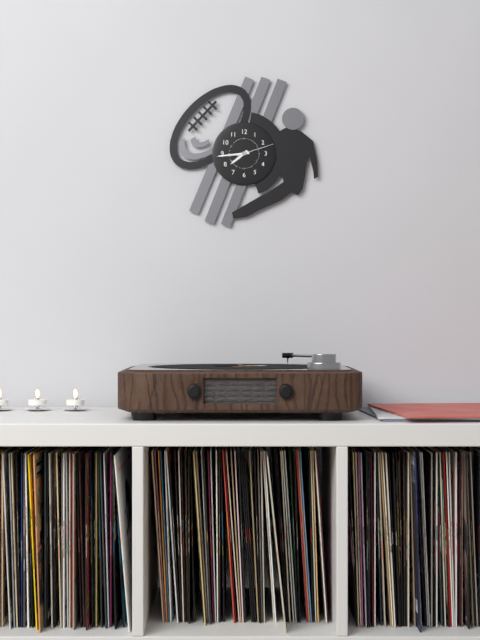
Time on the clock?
7:44
